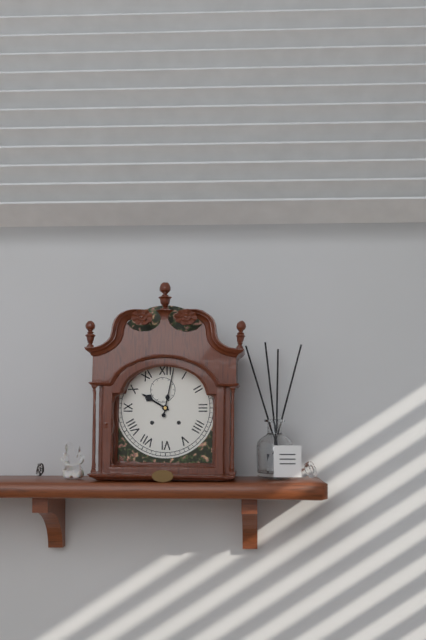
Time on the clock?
10:02
